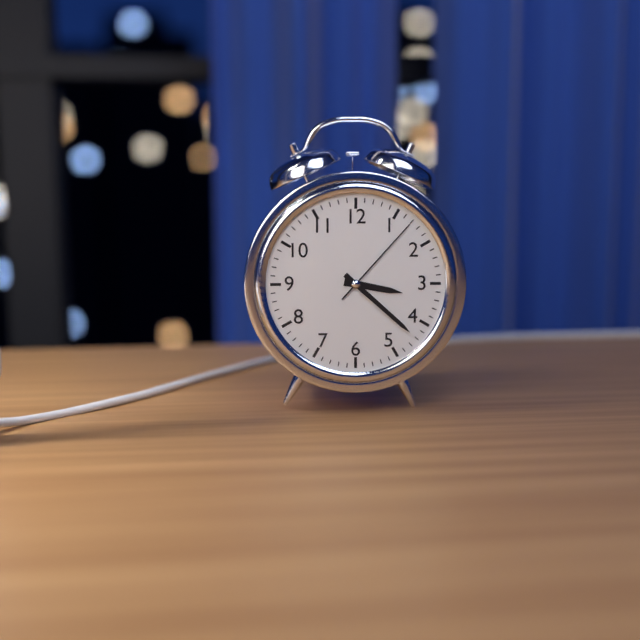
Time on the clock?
3:22:07
